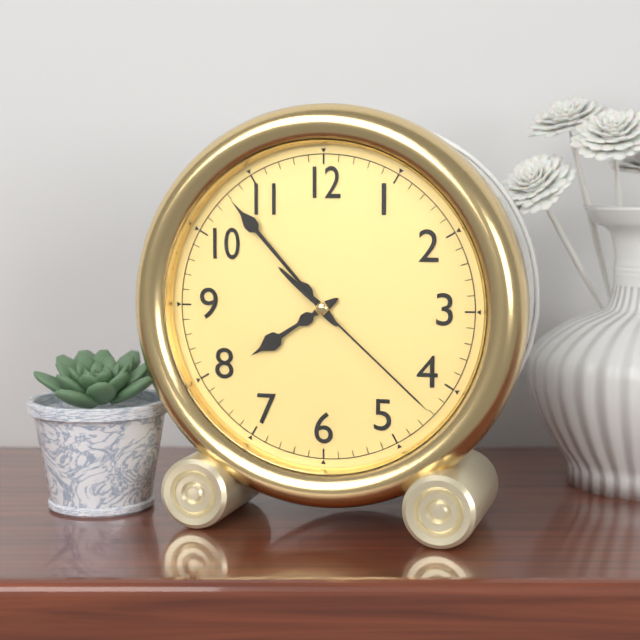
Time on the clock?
7:53:22
